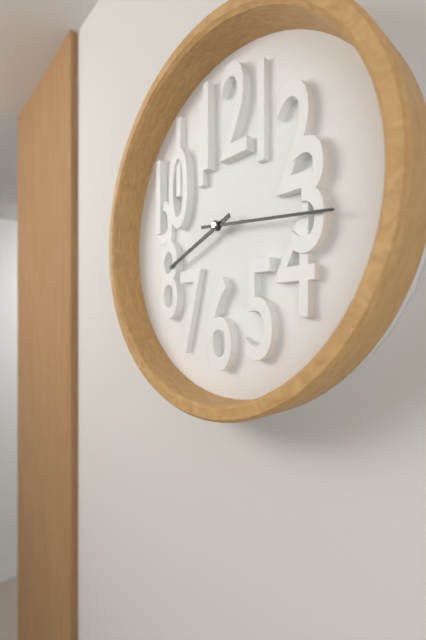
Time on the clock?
8:16
